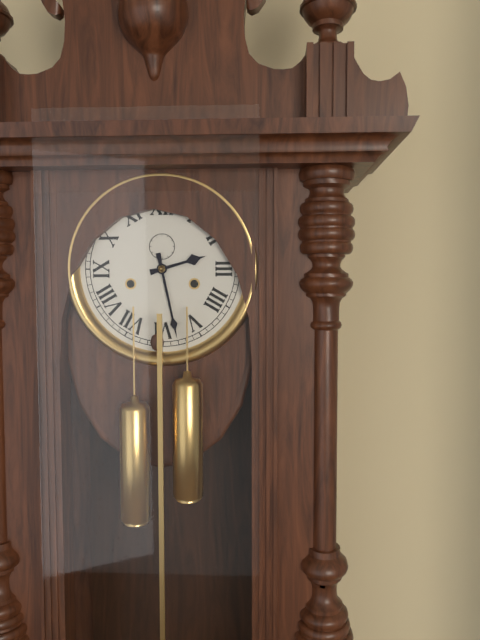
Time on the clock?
2:28
